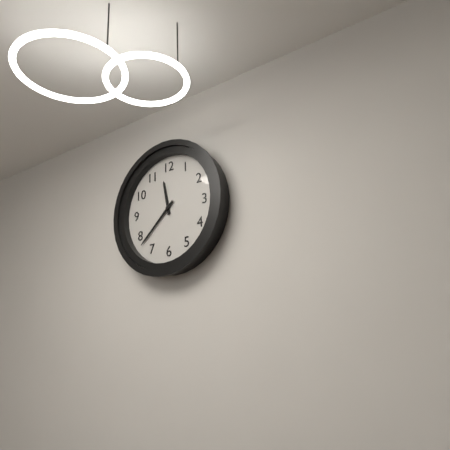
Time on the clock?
11:38
